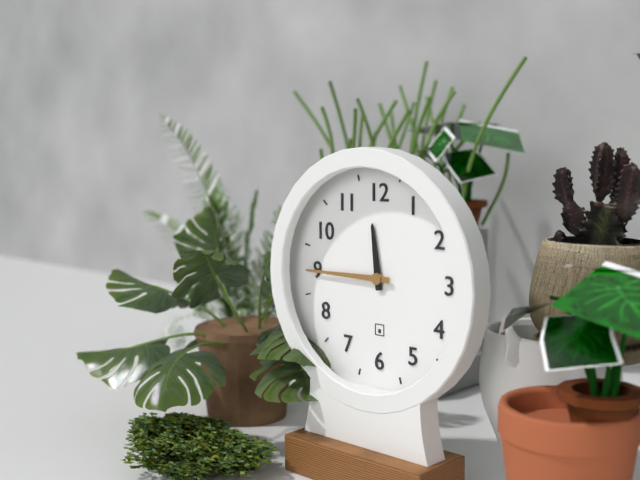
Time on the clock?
11:45
